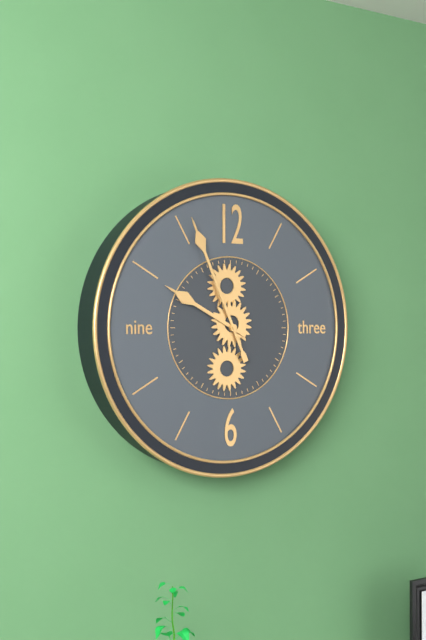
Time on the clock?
9:56
